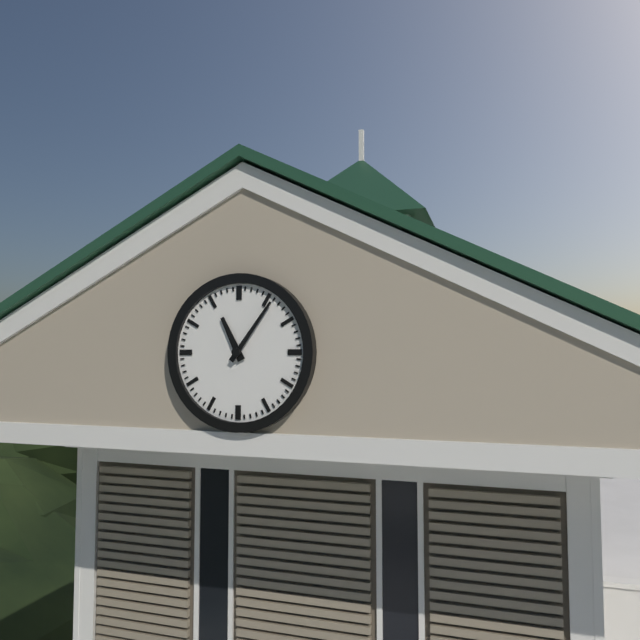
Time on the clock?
11:06
